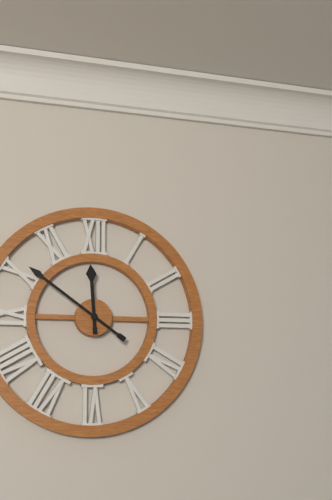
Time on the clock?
11:51
